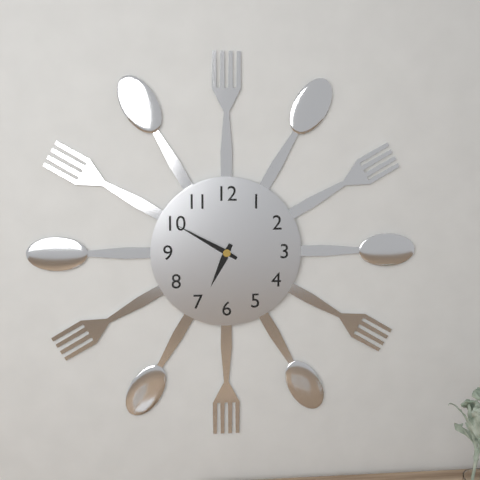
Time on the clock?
6:50
